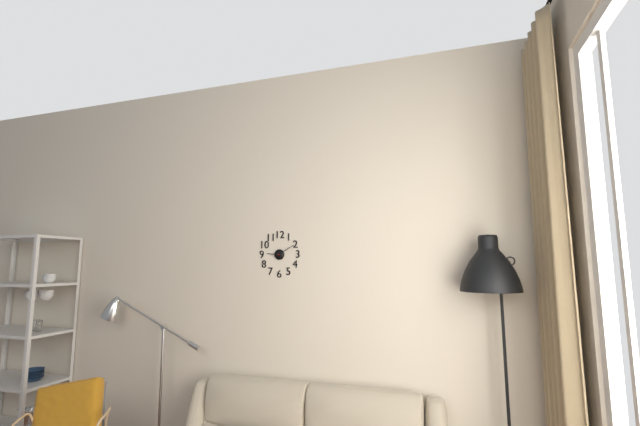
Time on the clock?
9:10
